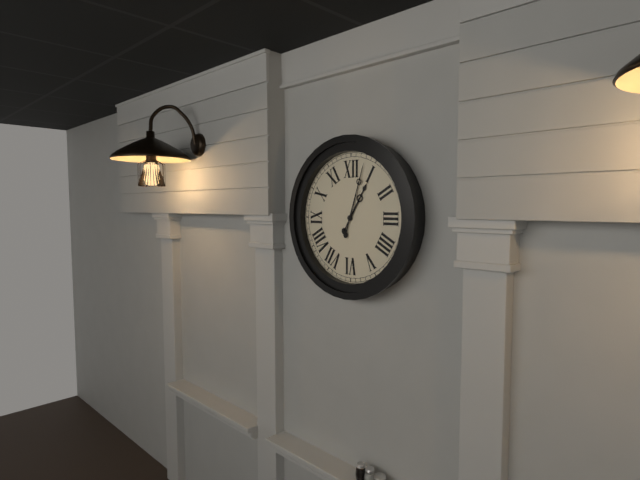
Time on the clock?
1:03
